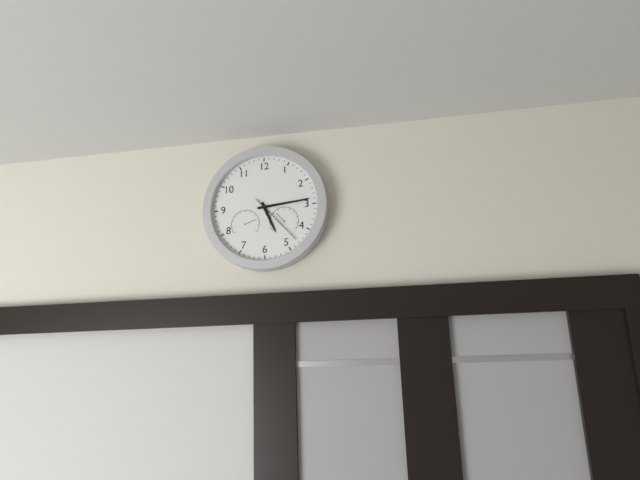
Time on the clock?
5:14:23
